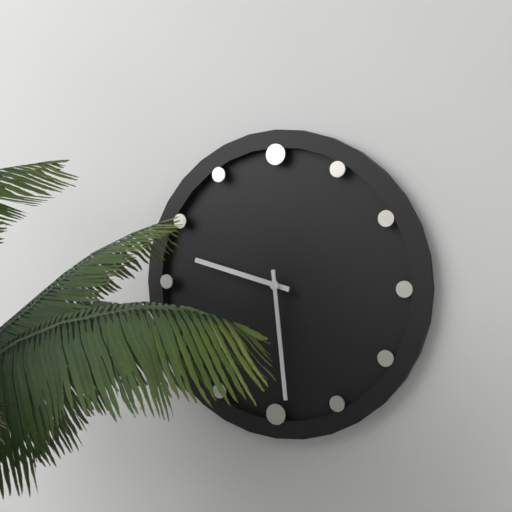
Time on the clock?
9:29
